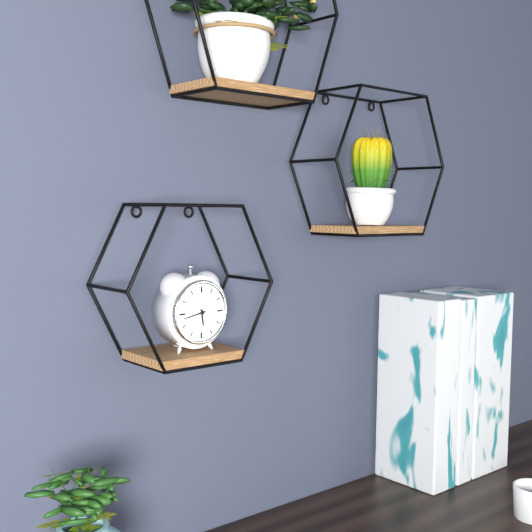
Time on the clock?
5:43
